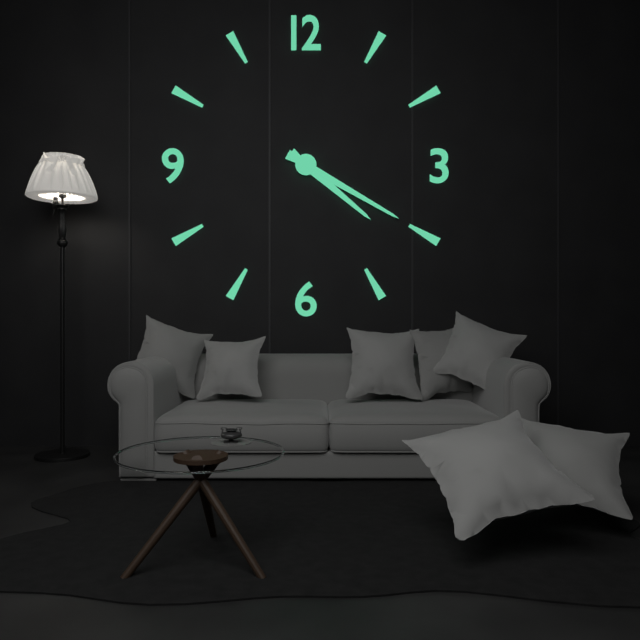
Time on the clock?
4:20
